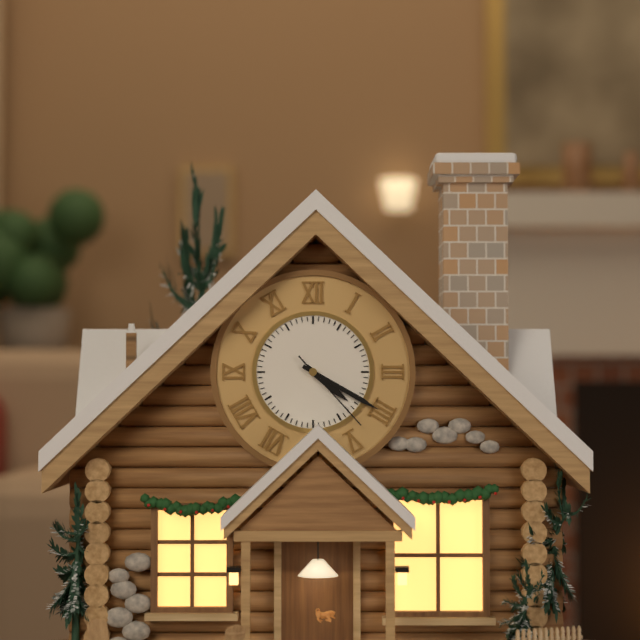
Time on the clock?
4:20:23
